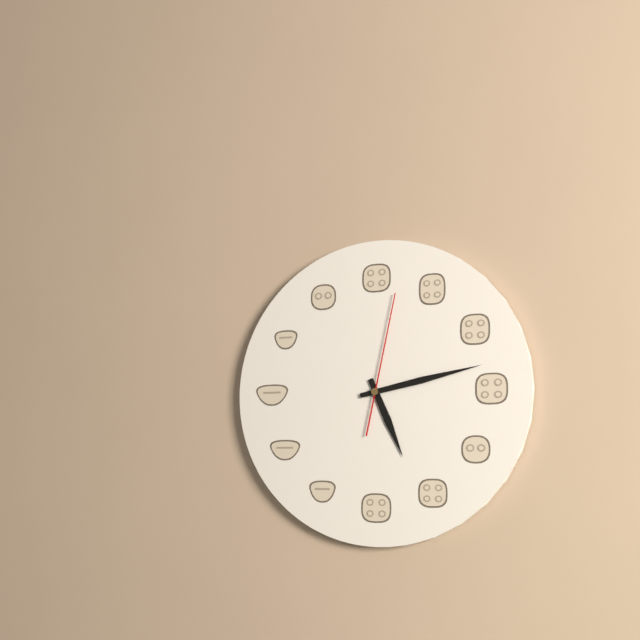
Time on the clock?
5:13:02
